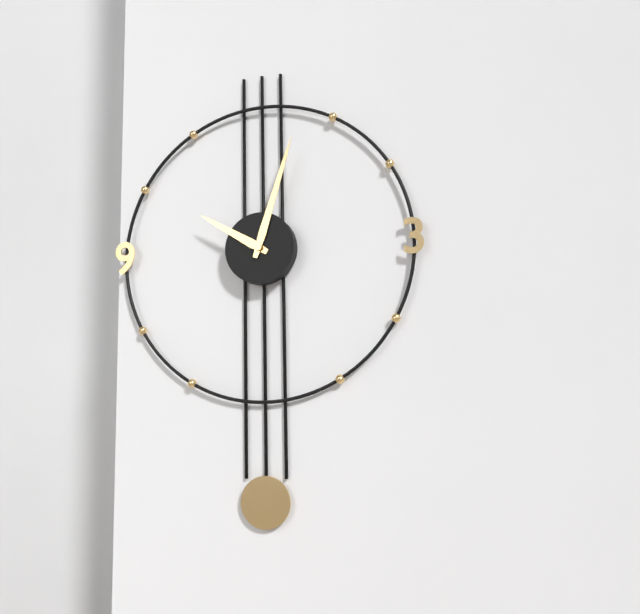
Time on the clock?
10:03
